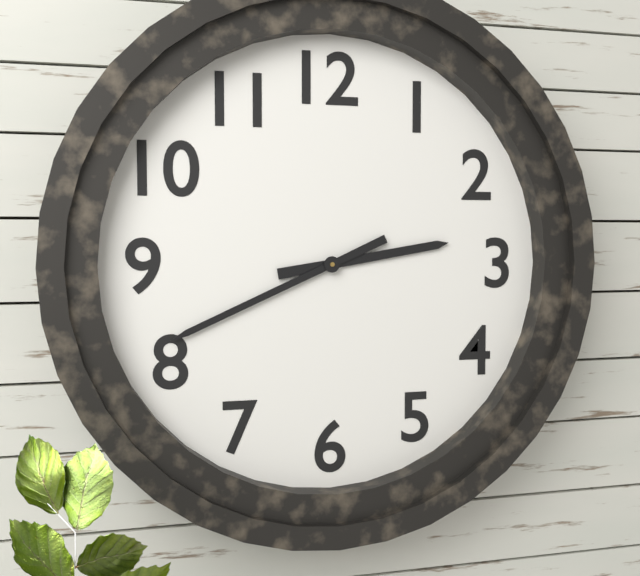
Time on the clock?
2:41
